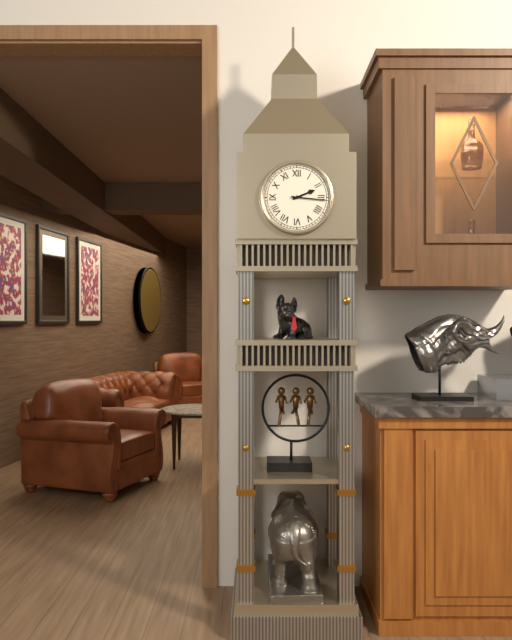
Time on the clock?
2:16
